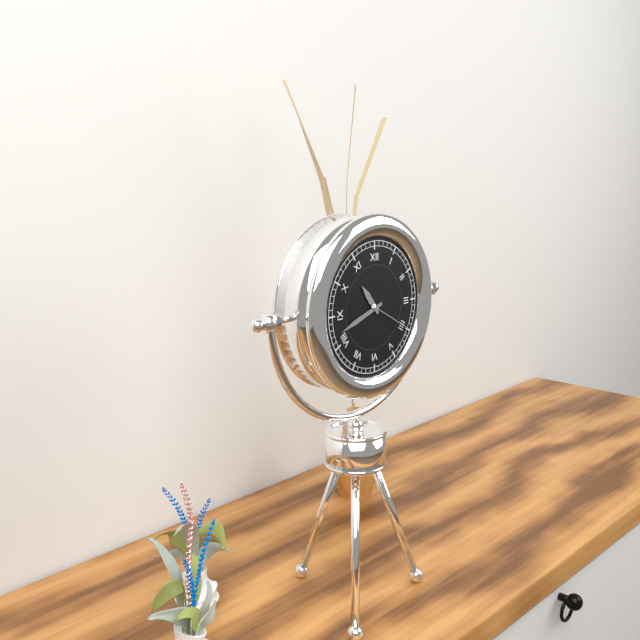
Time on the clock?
10:42
